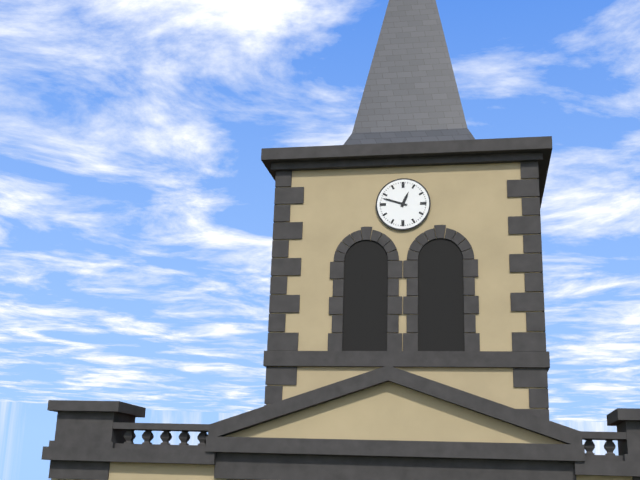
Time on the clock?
12:48
